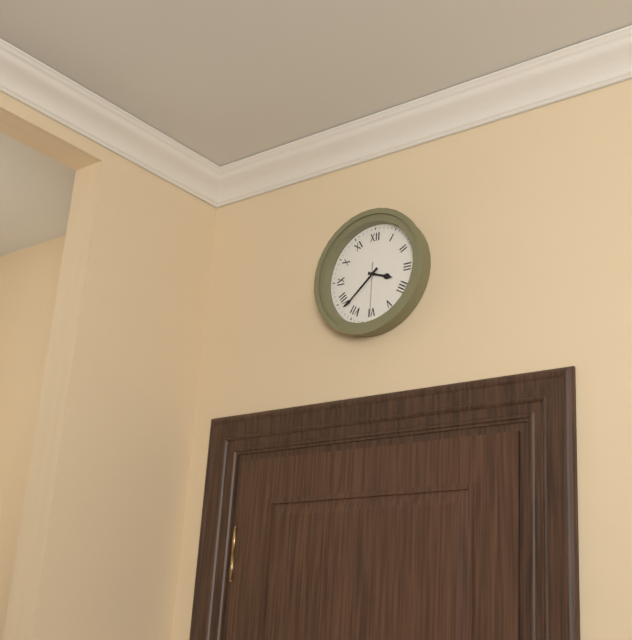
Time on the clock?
3:38:30
